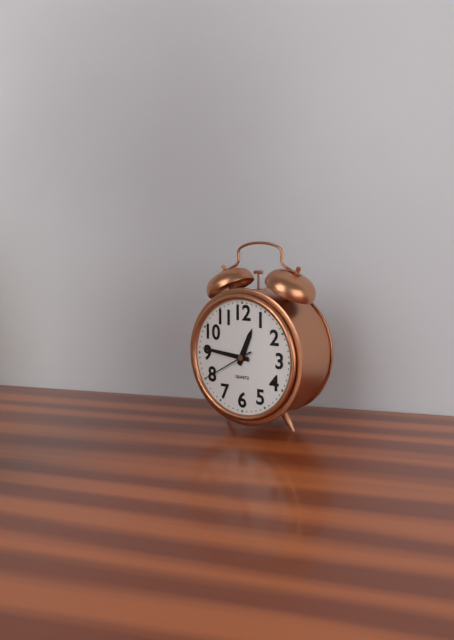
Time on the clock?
12:46:40
